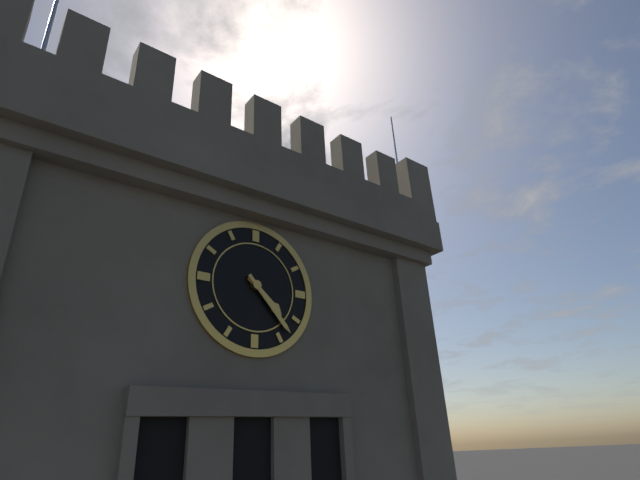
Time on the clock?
4:23
